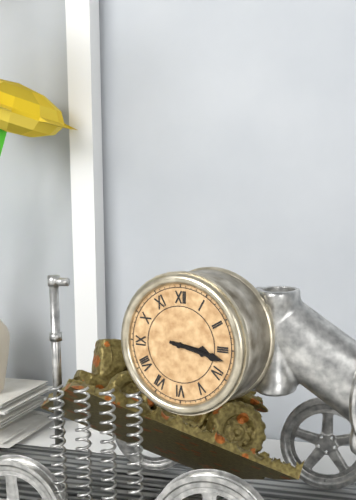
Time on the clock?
3:17
